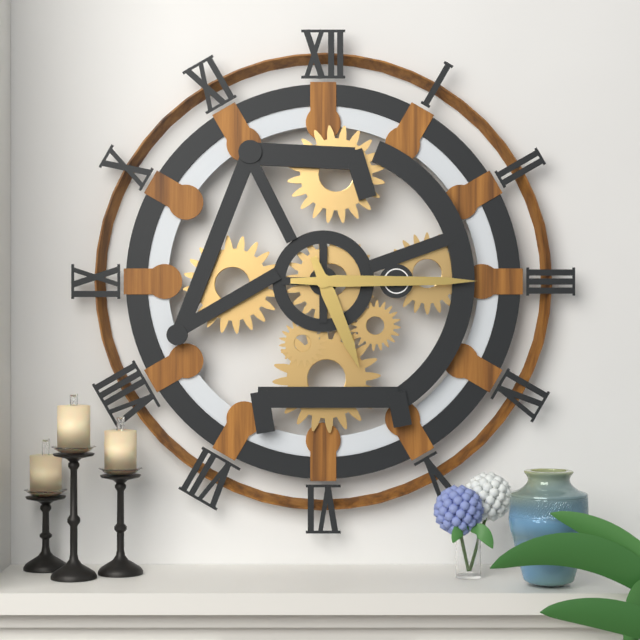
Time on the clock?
5:15
